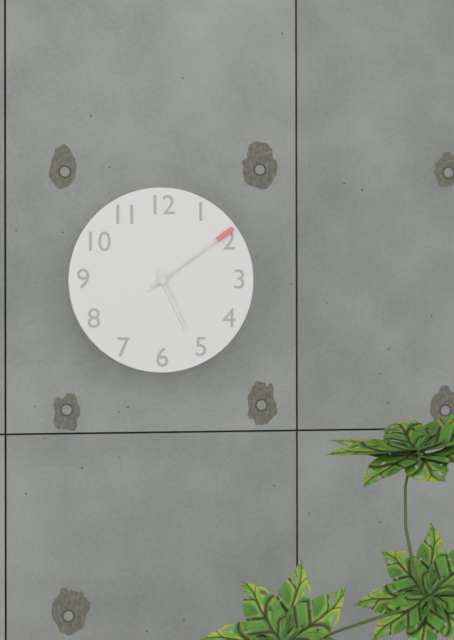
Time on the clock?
5:09:09
